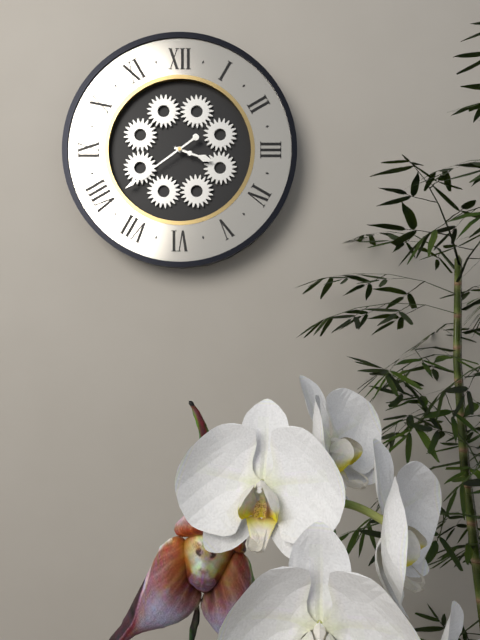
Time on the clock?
3:39
